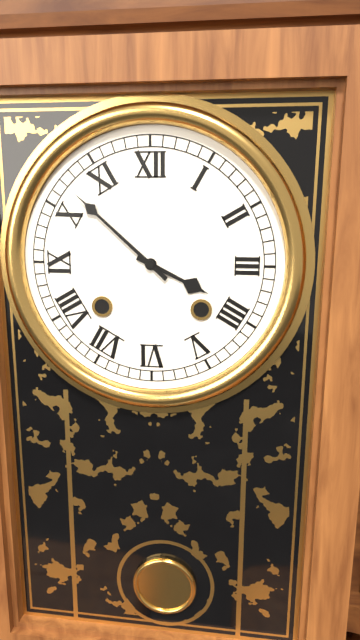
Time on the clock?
3:52
